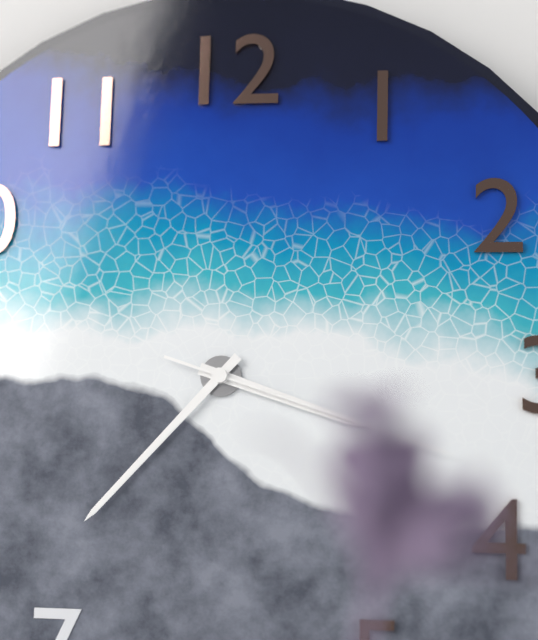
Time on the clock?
3:37:18
